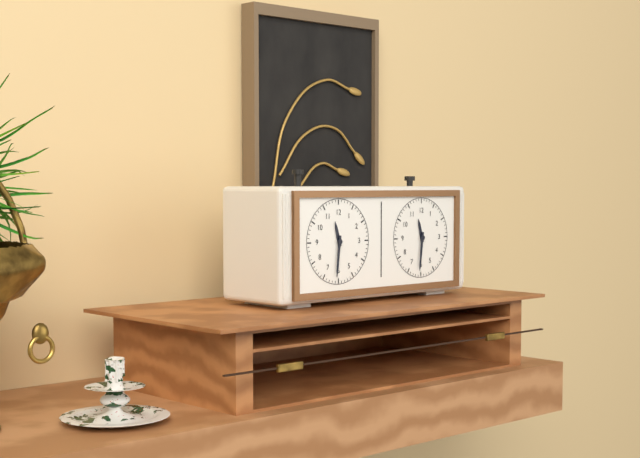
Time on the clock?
11:31
